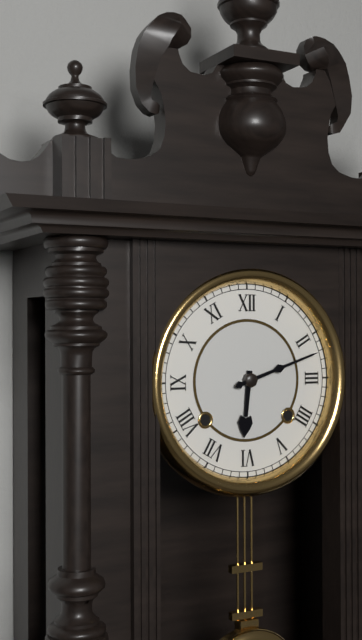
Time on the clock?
6:12
